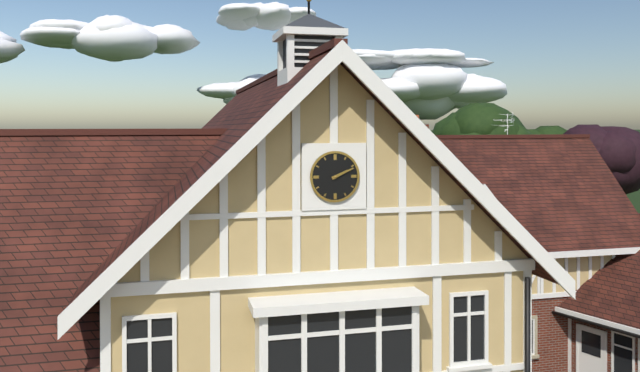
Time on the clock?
2:11
